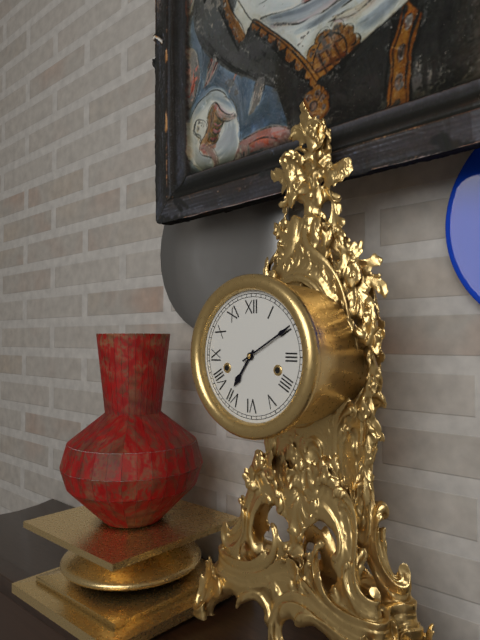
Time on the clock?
7:10
